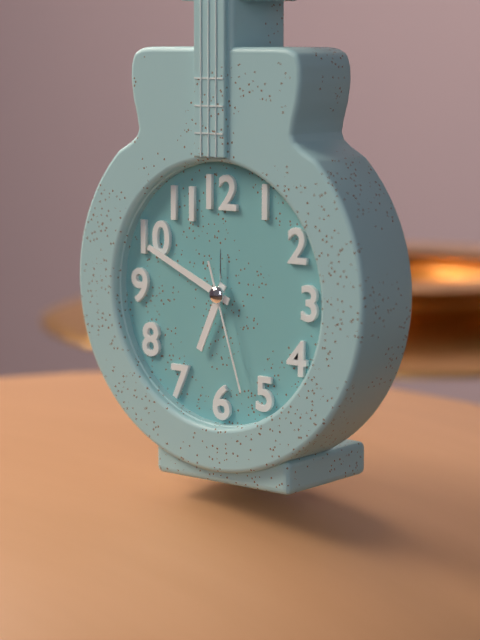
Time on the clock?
6:49:27
